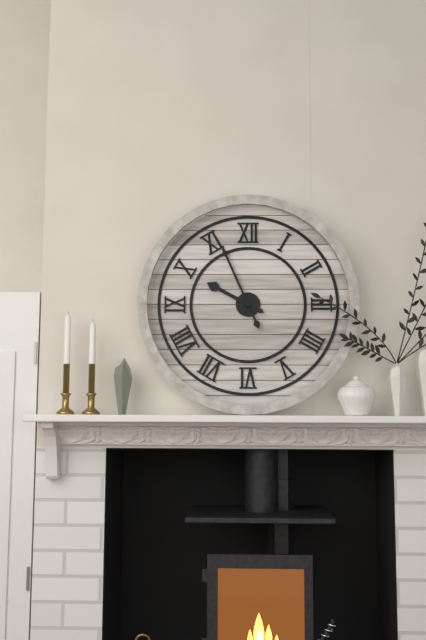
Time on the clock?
9:56
